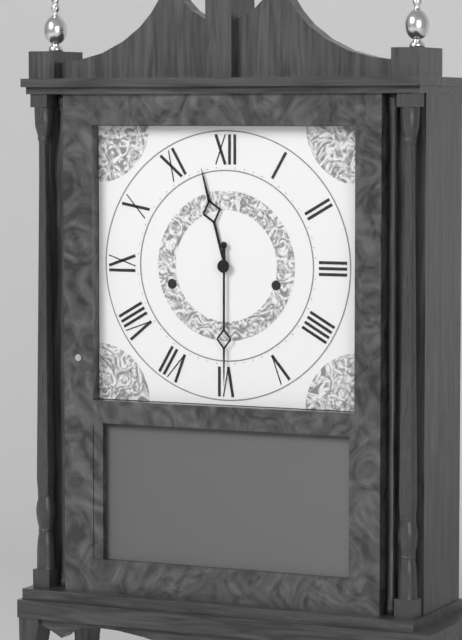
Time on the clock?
11:30
